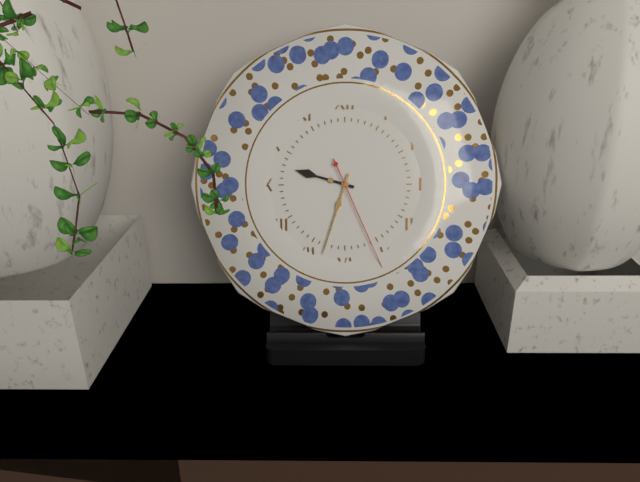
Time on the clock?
9:33:26
